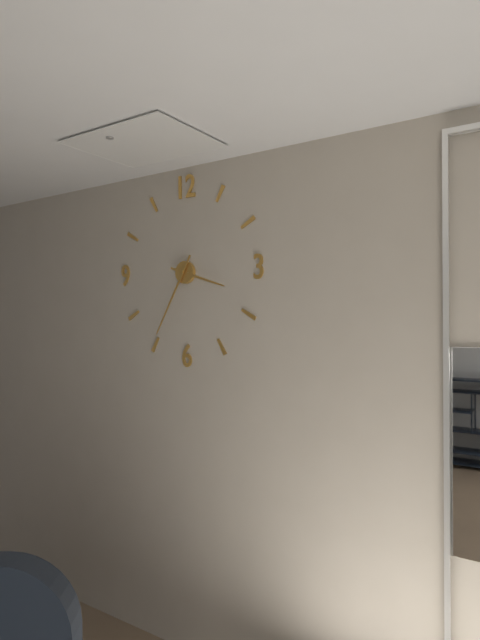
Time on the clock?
3:35
